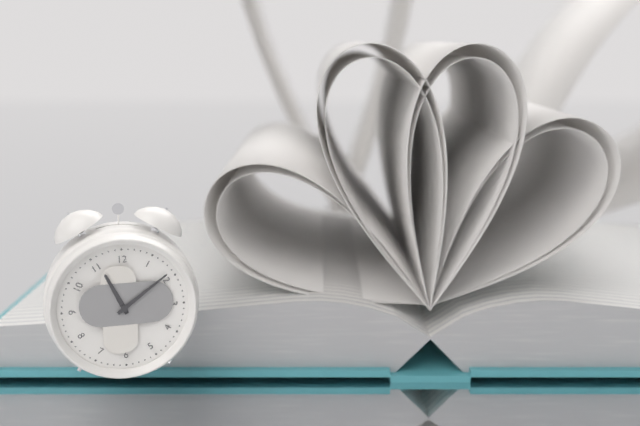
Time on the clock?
11:09
